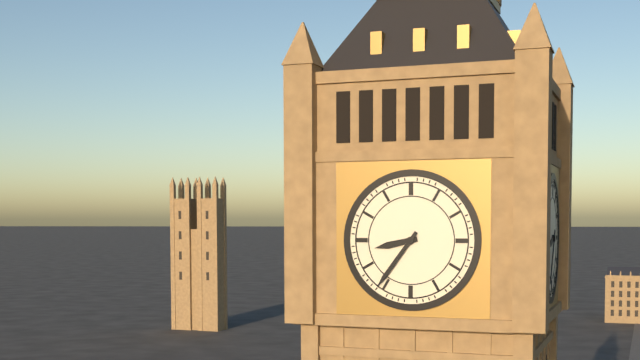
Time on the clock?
8:36
